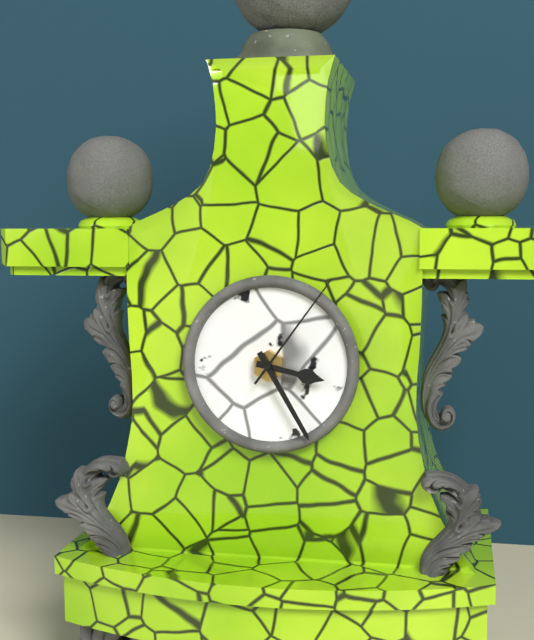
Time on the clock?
3:25:06
